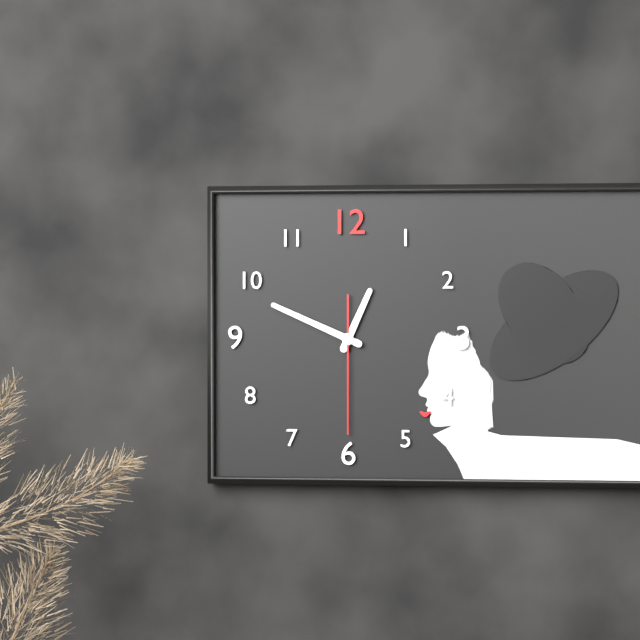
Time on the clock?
12:49:30
